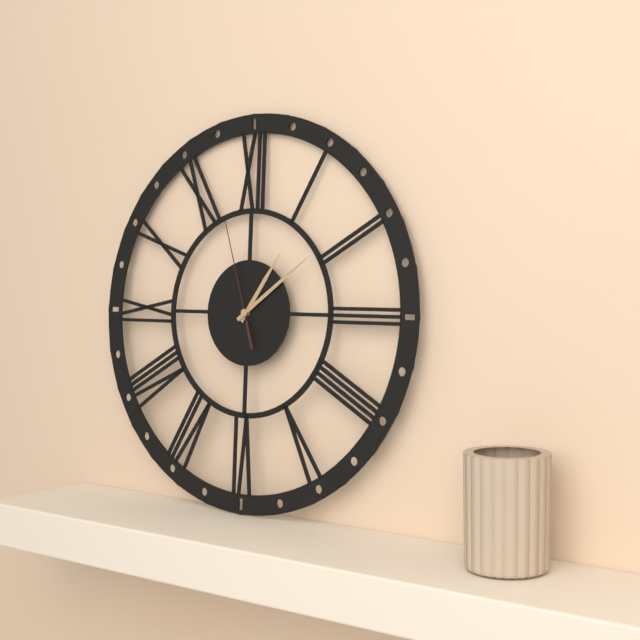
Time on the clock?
1:09:57
